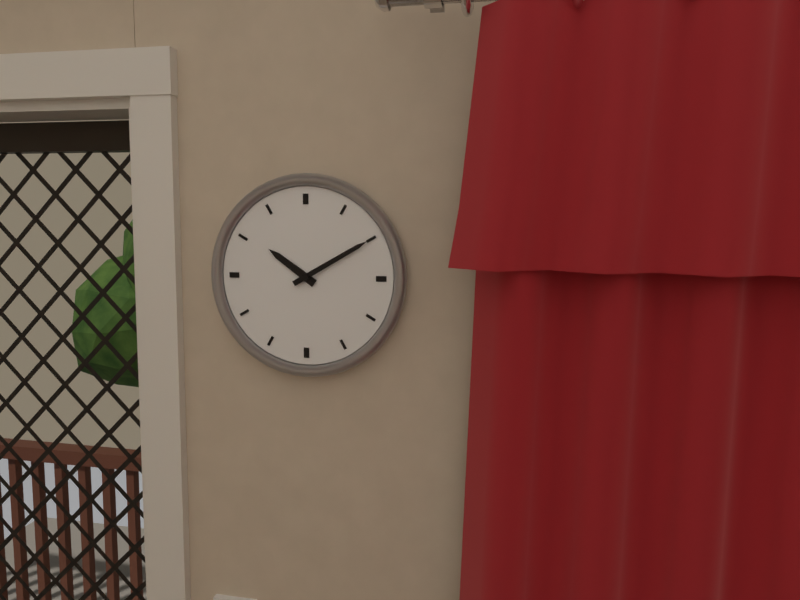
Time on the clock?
10:10
